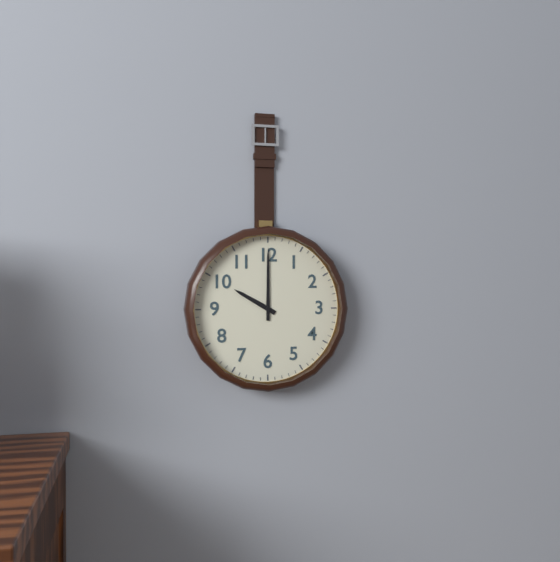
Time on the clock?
10:00
